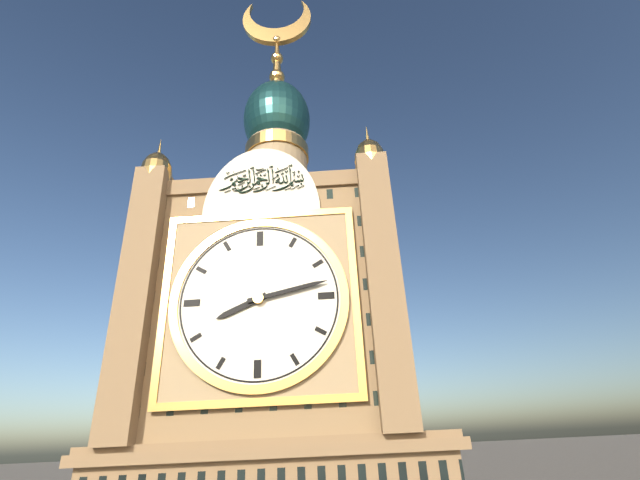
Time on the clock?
8:13
